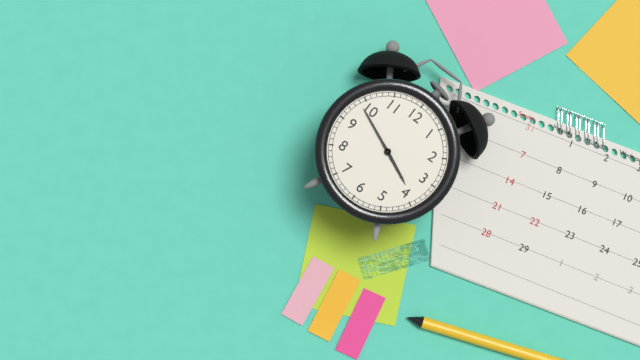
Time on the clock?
3:49
